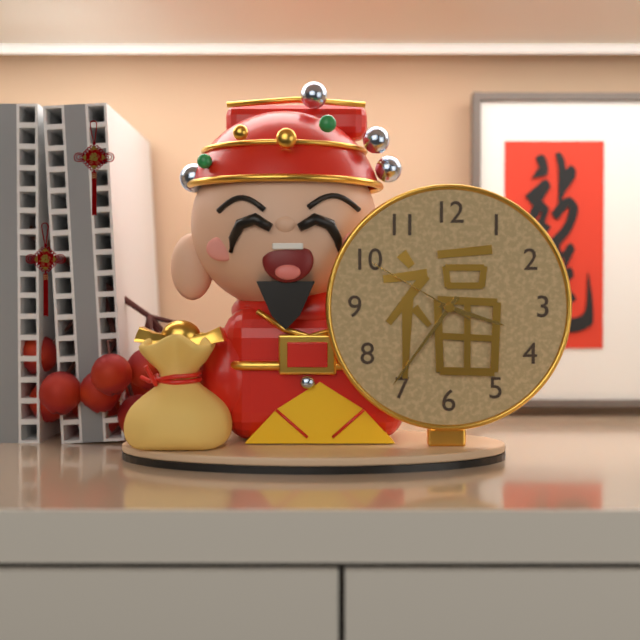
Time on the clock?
3:36:50
